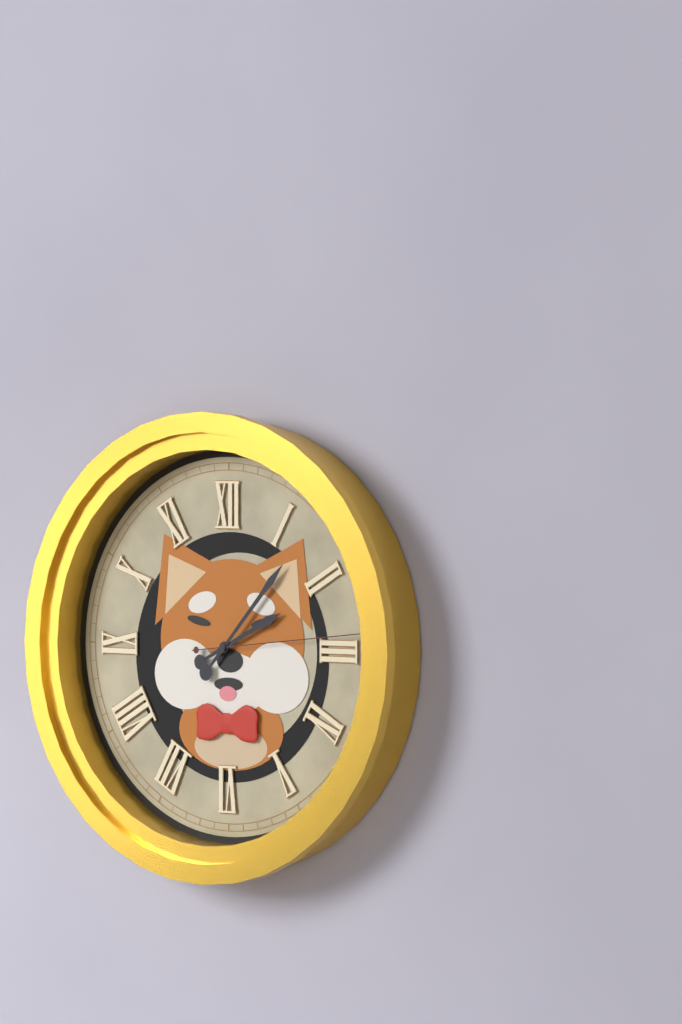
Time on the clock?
2:07:14
